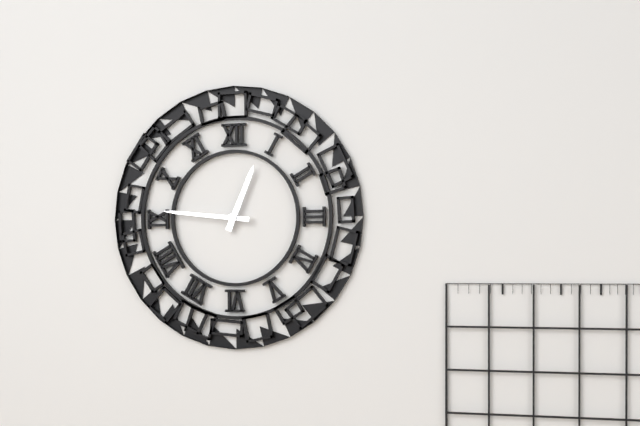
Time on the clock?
12:46
